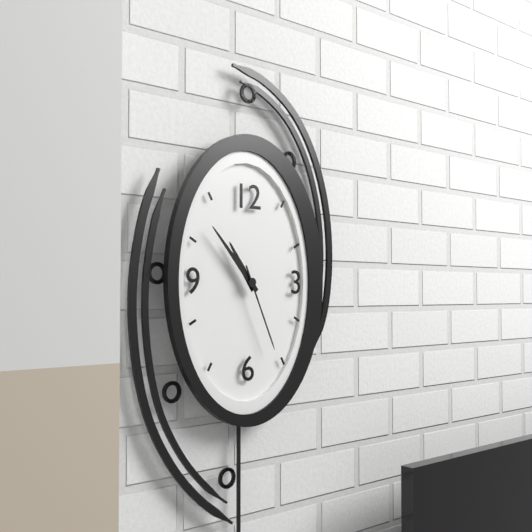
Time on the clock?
10:53:26
